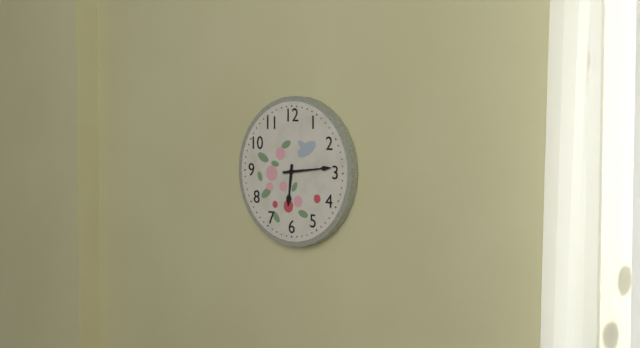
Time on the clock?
6:14
